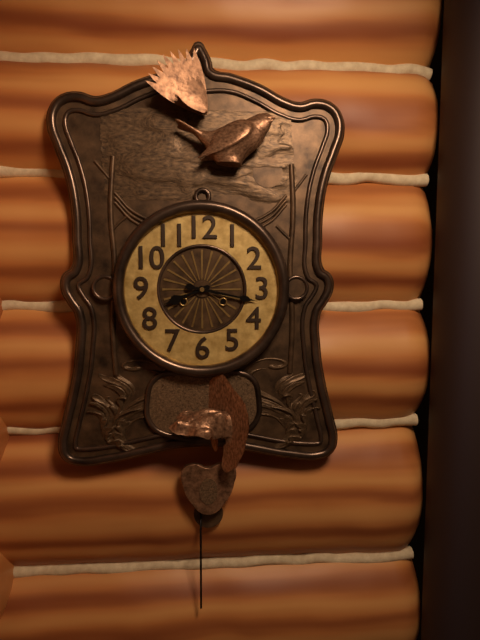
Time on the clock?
8:17
